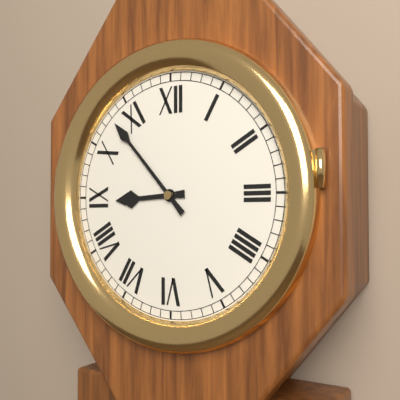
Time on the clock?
8:53
